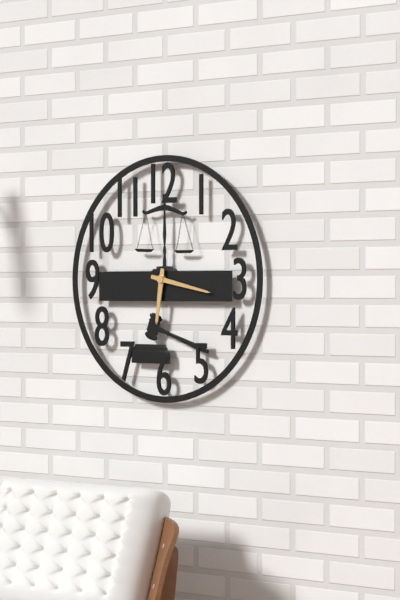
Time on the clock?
6:17
